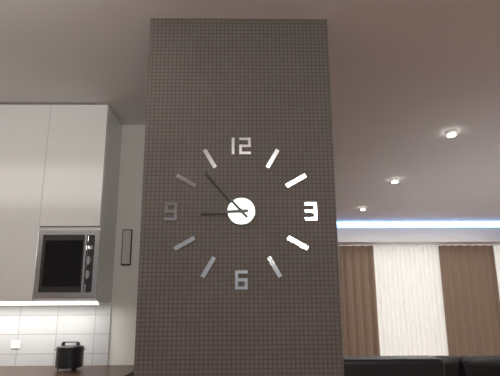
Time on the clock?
8:53
